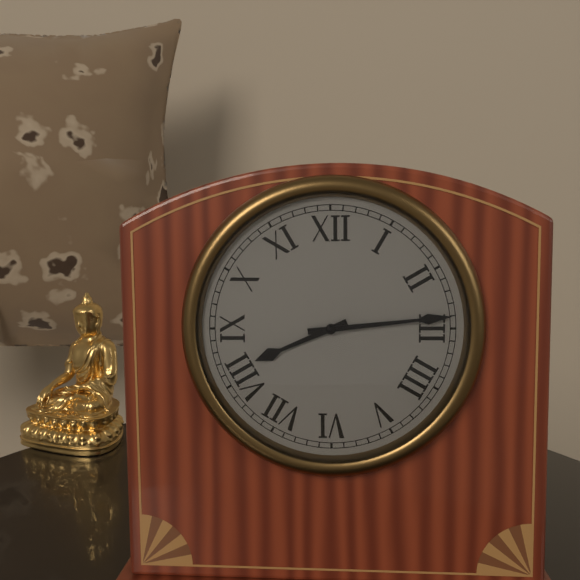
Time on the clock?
8:14
